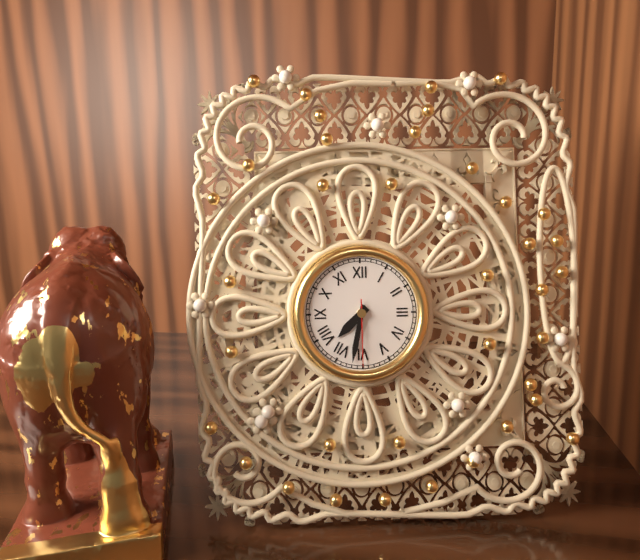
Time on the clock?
7:32:30
